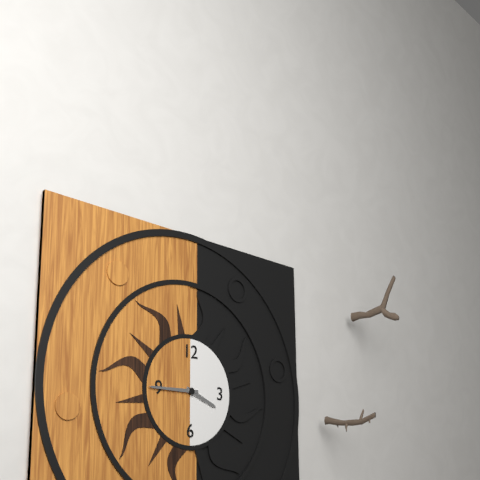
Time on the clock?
3:45
